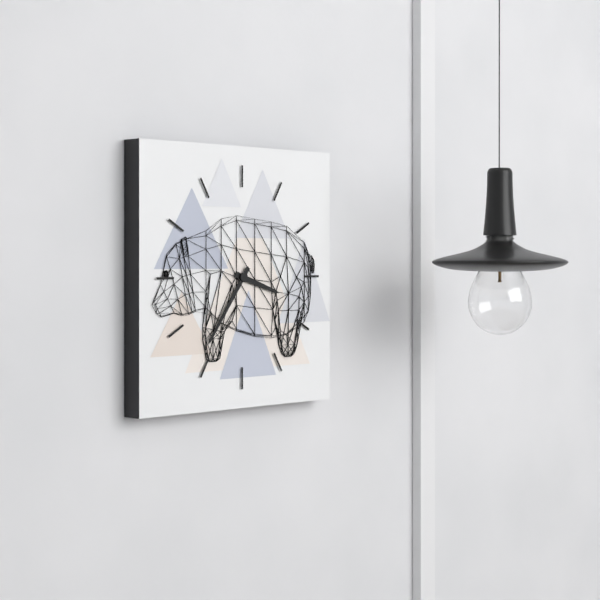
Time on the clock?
3:36
